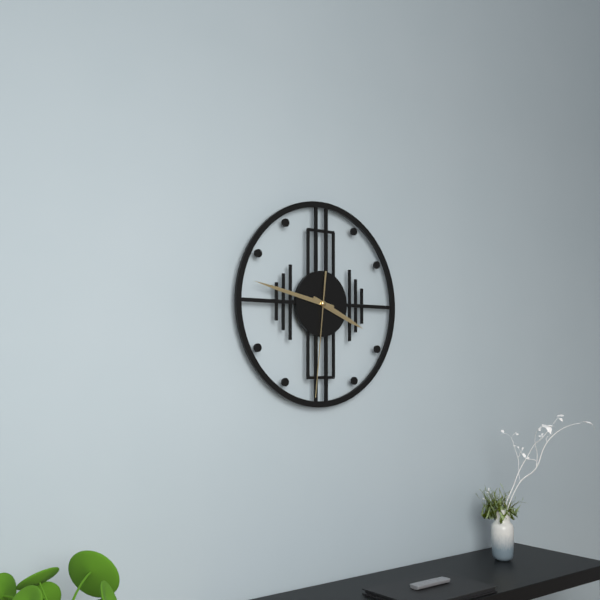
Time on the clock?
3:47:31
